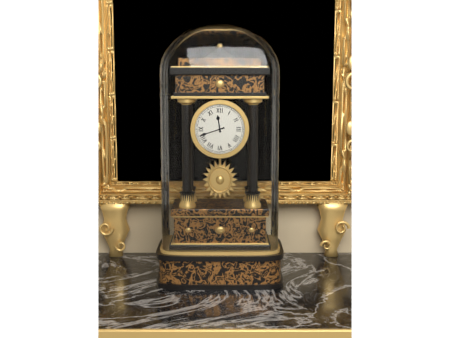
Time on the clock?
11:42
